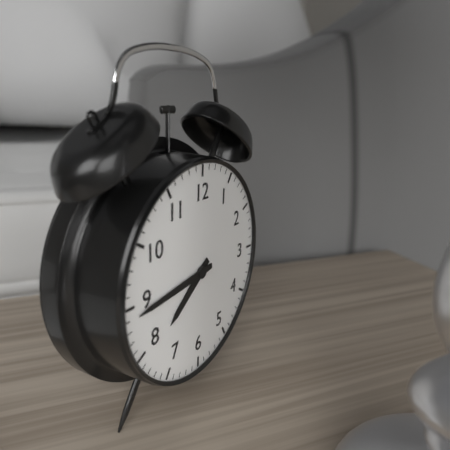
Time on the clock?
7:44
